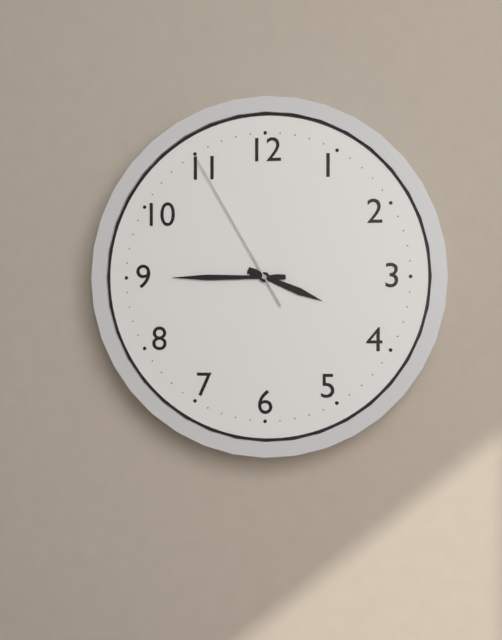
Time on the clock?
3:45:55
